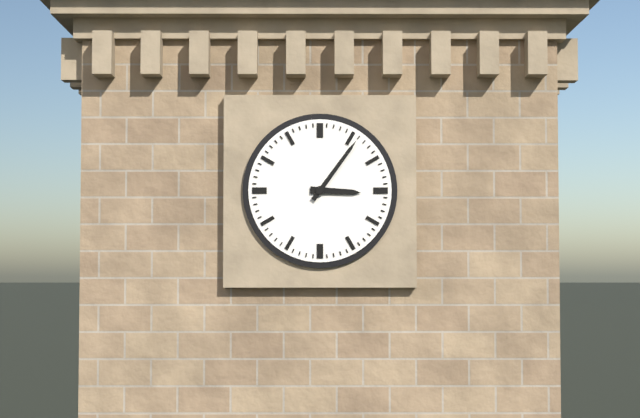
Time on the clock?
3:06
